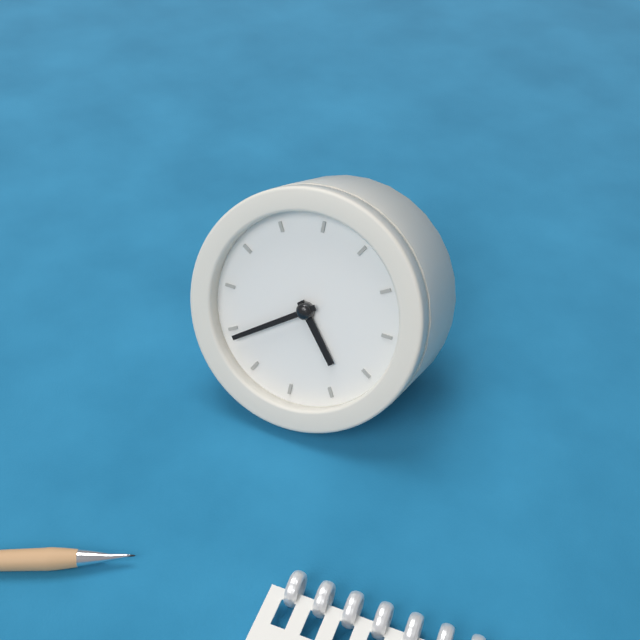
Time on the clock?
4:39
